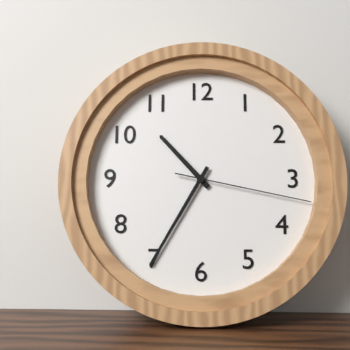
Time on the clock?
10:35:17
